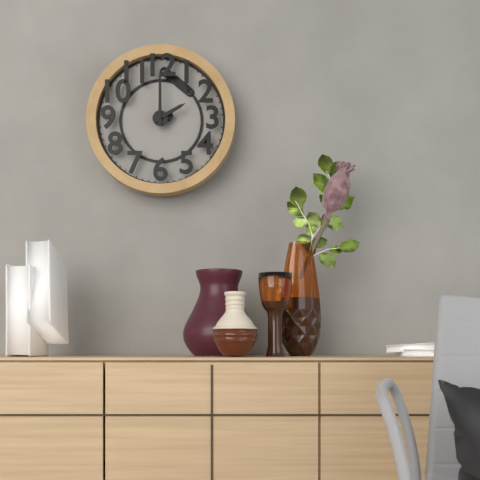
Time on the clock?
2:00
